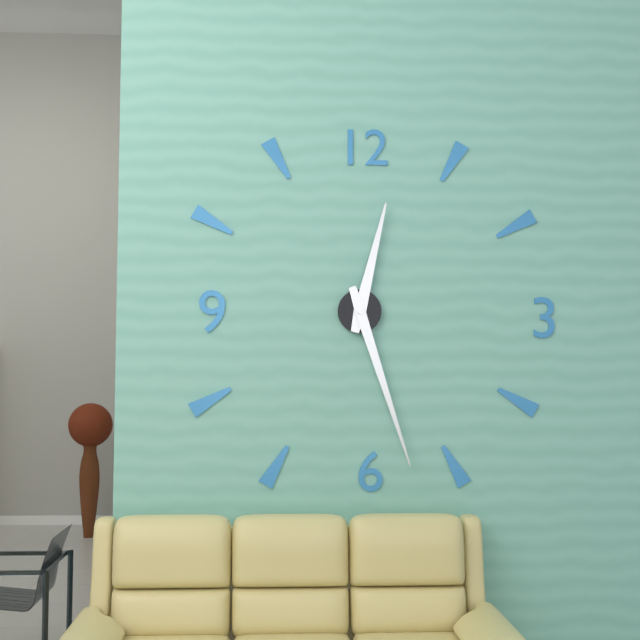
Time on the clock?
12:27
